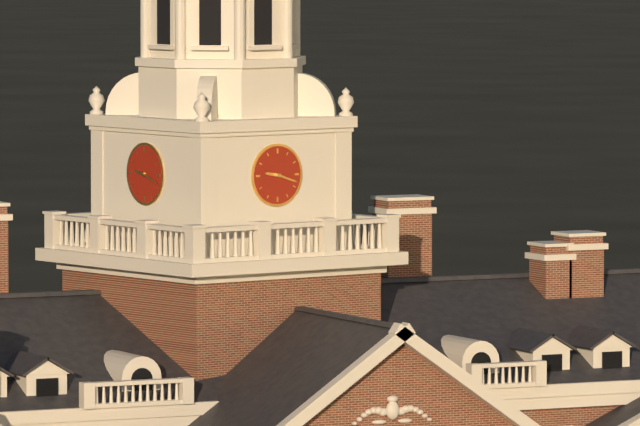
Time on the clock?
9:18
